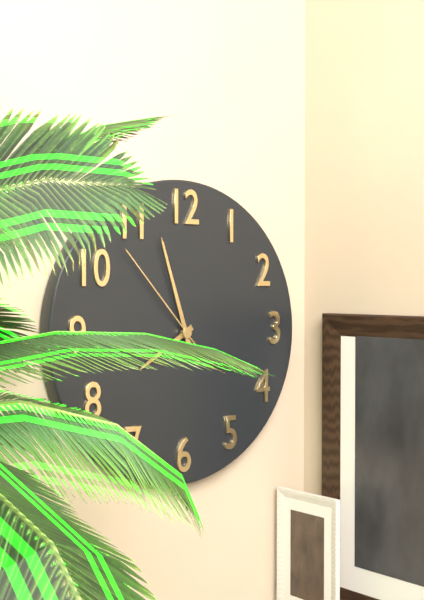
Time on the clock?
7:57:53
